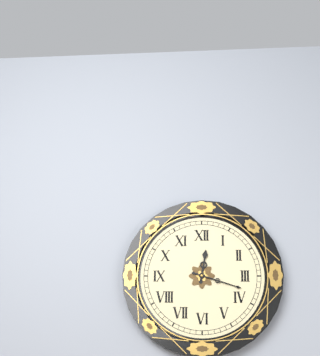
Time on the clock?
12:18
